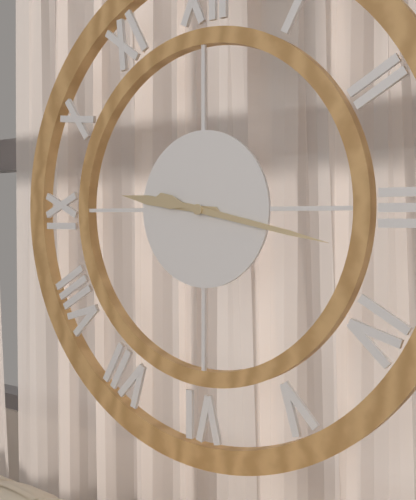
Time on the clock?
9:17
